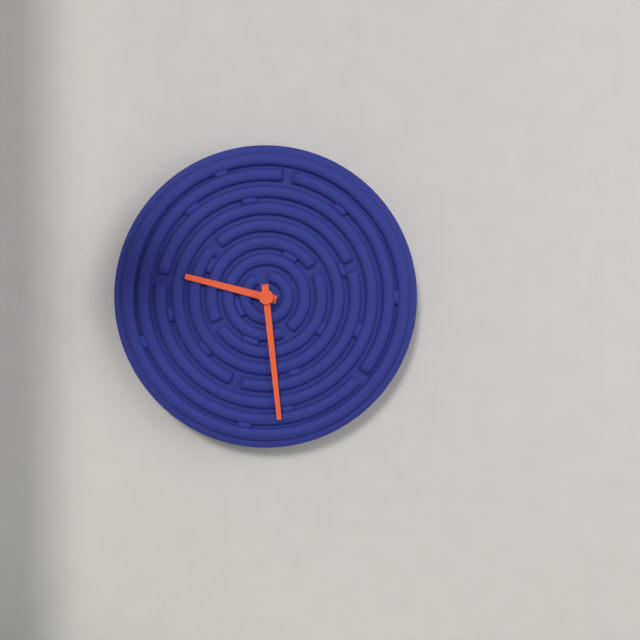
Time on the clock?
9:29
